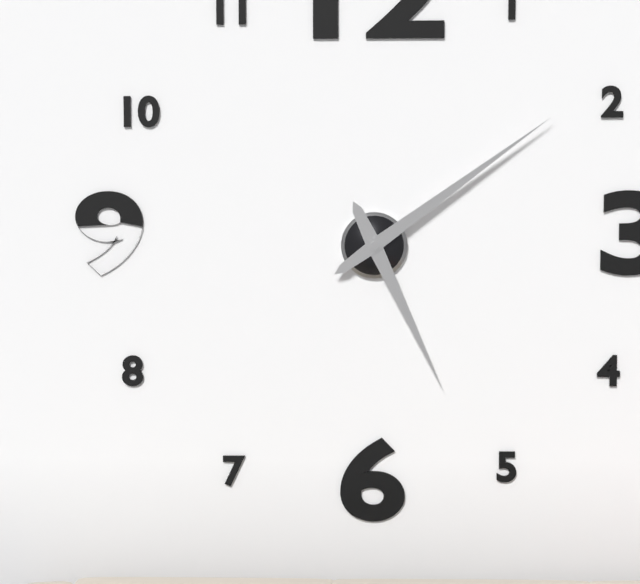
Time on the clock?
5:09
